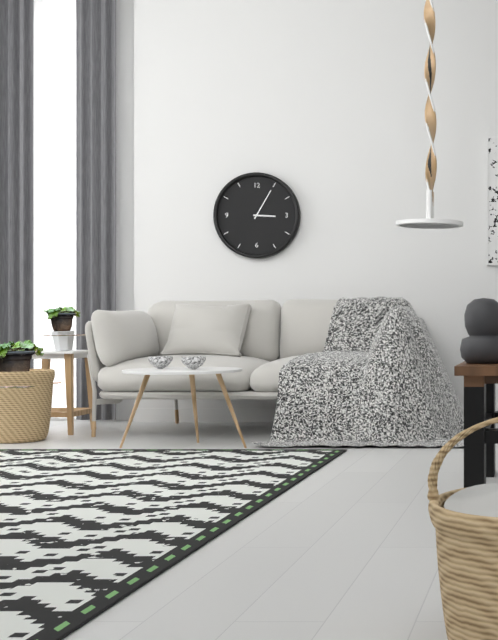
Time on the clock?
3:05
